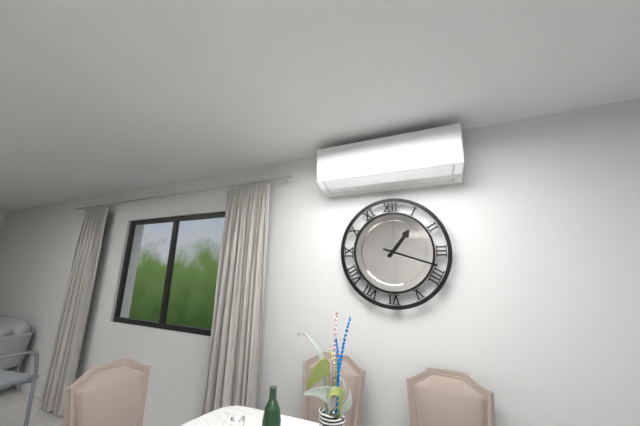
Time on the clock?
1:18
